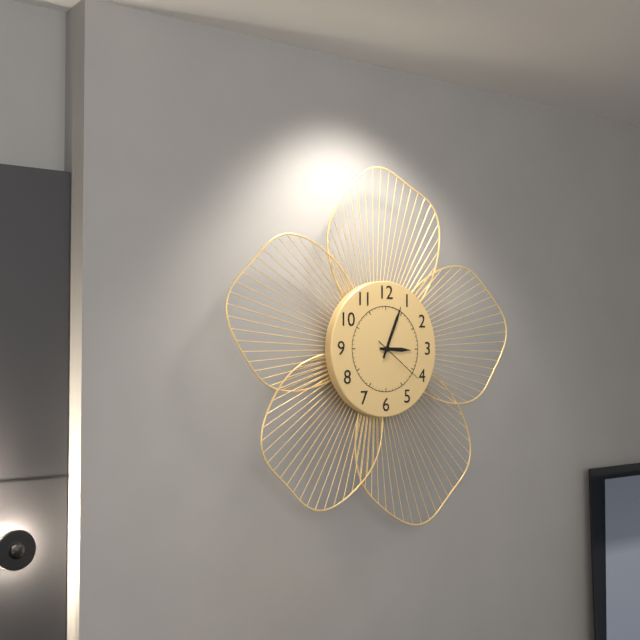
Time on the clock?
3:04:21
